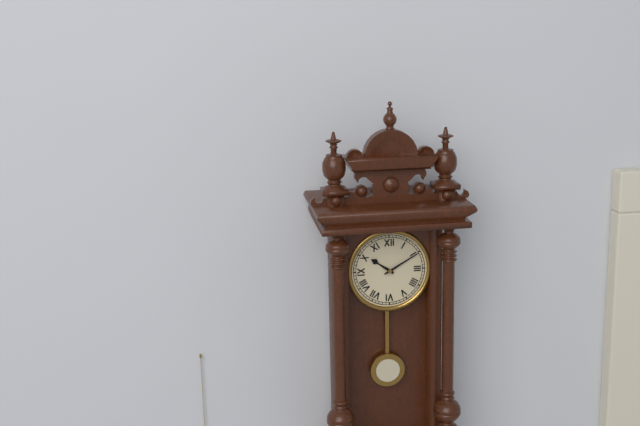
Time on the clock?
10:10
